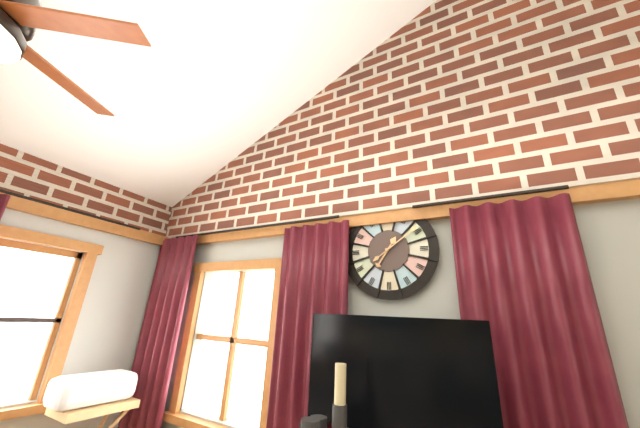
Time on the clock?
7:09
